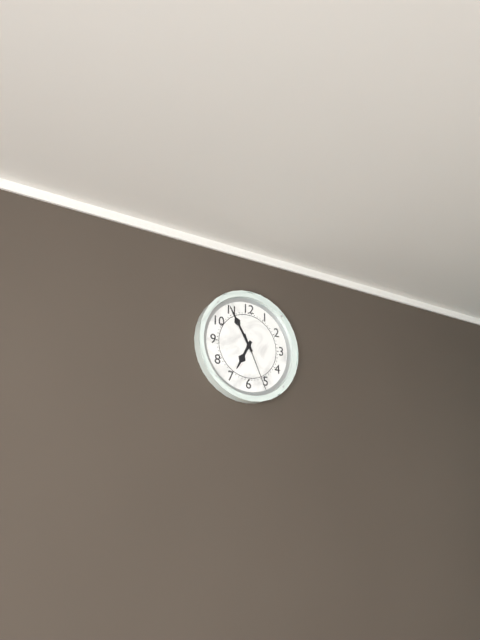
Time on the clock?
6:55:26
